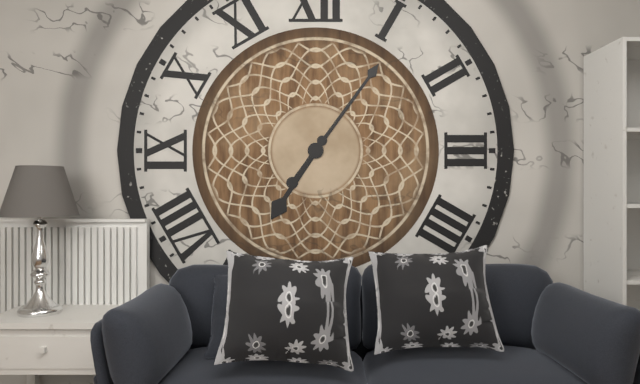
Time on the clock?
7:06
